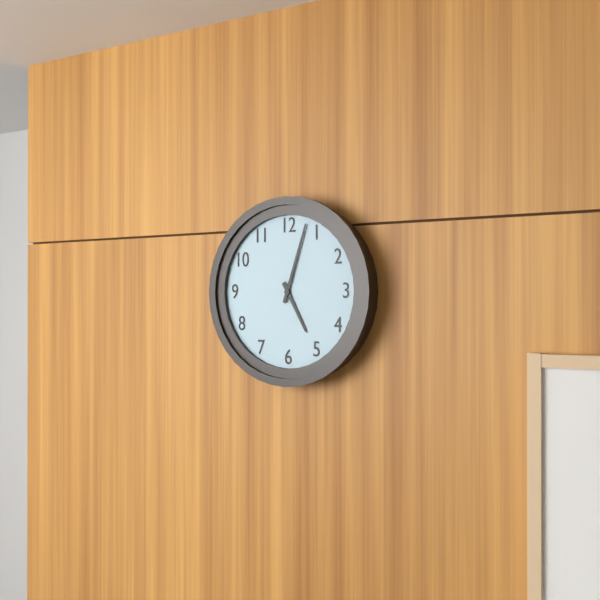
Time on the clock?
5:03
